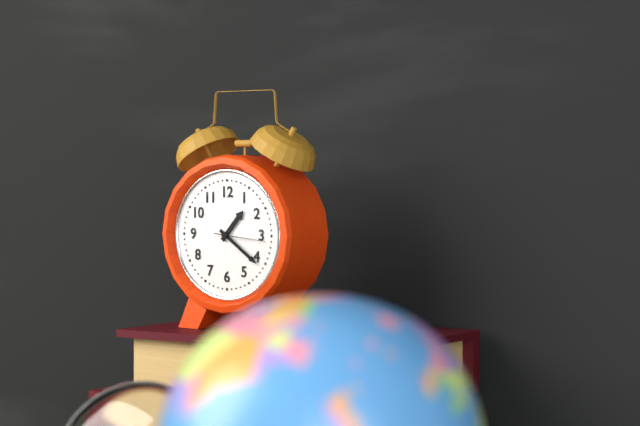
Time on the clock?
1:21
